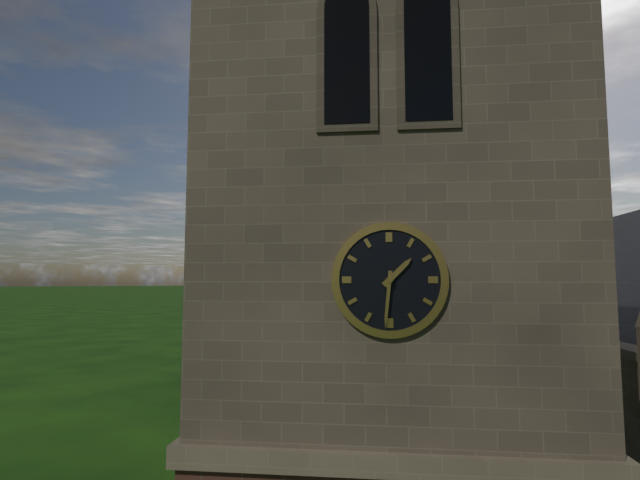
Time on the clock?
1:31
